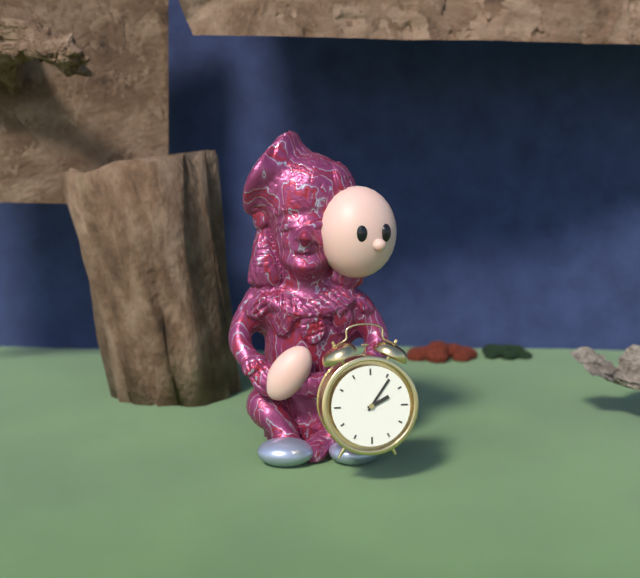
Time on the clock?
2:06
